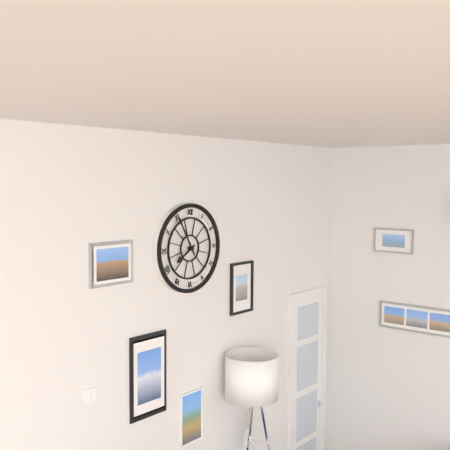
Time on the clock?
7:55
